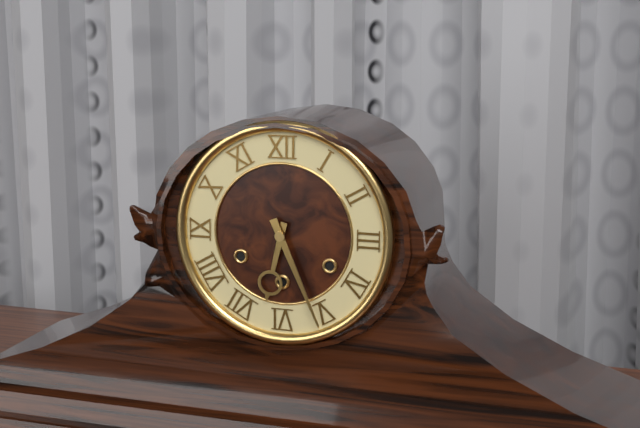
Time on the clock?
6:26
